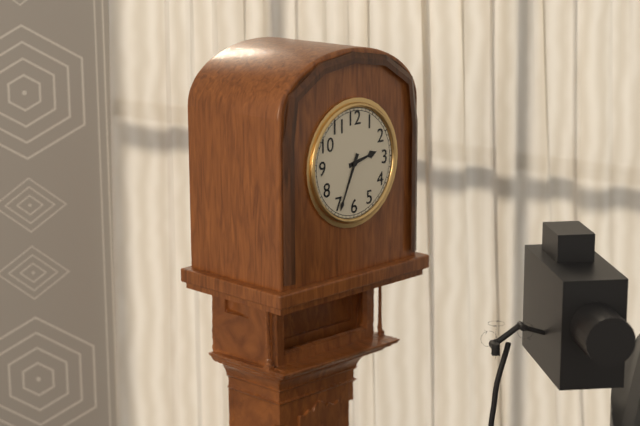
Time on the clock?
2:34
